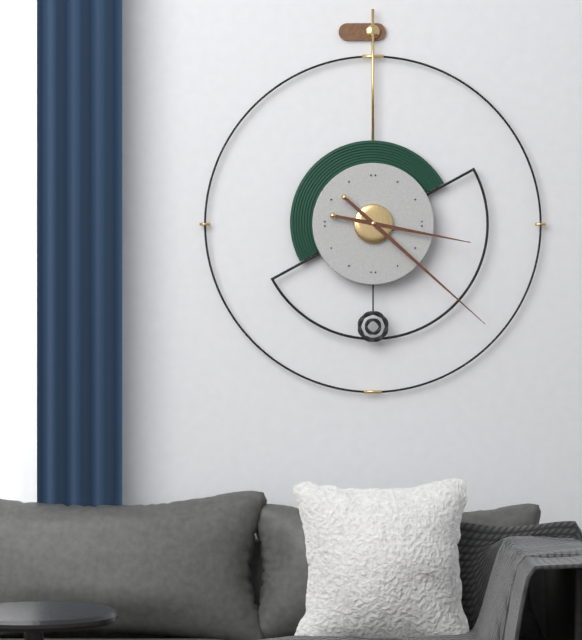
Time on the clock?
3:22
